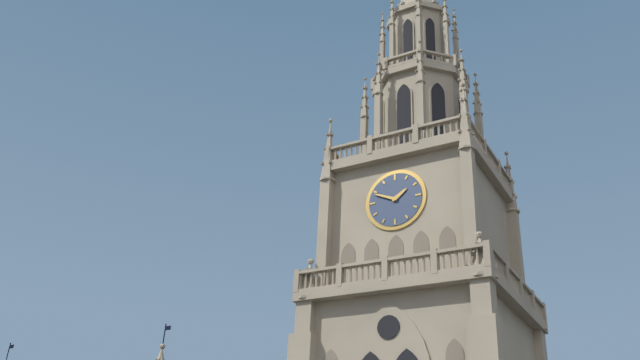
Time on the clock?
1:49
